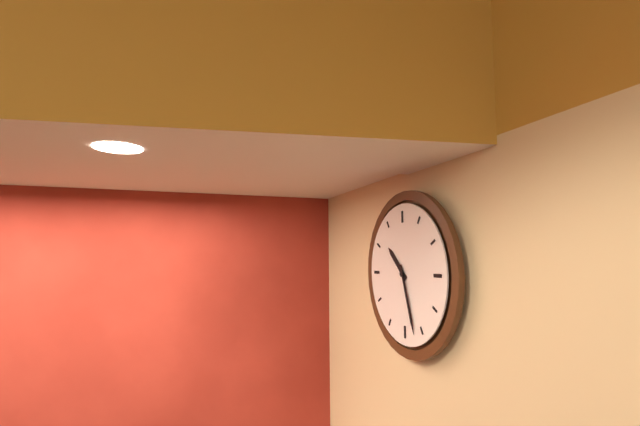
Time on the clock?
10:27
